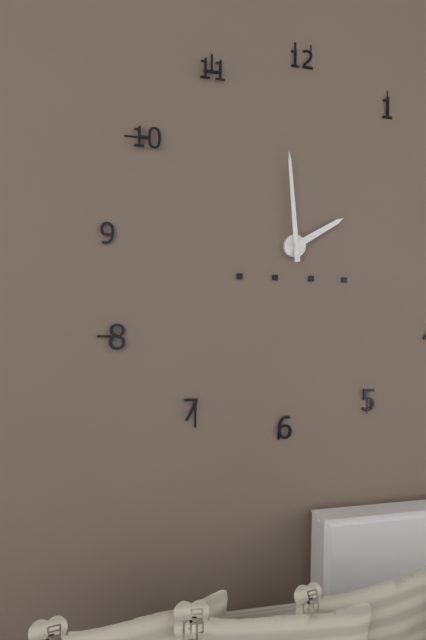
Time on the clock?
1:59
